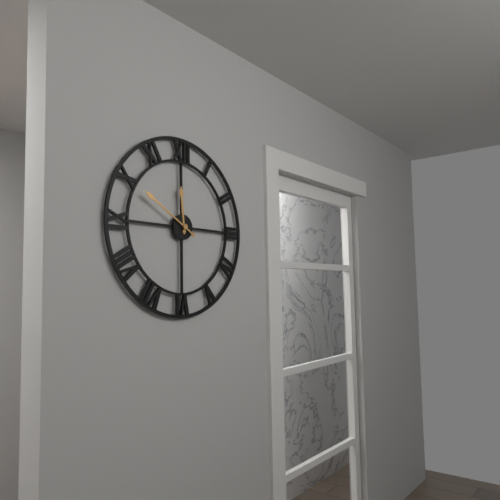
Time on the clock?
11:50
